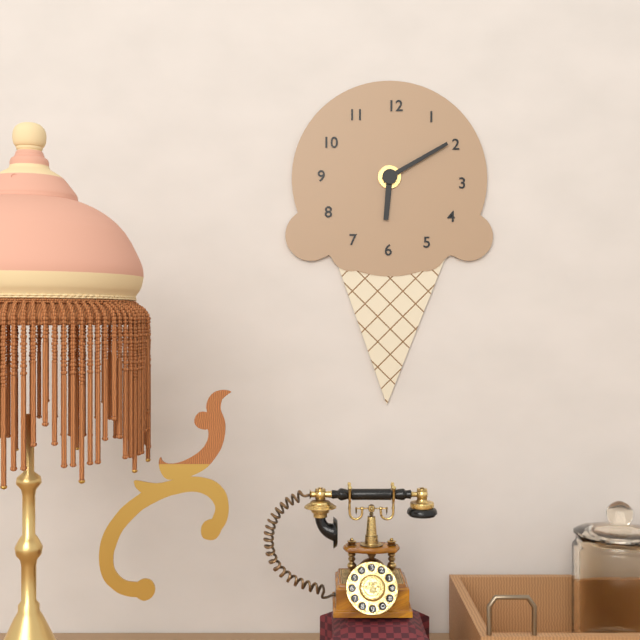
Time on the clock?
6:10
